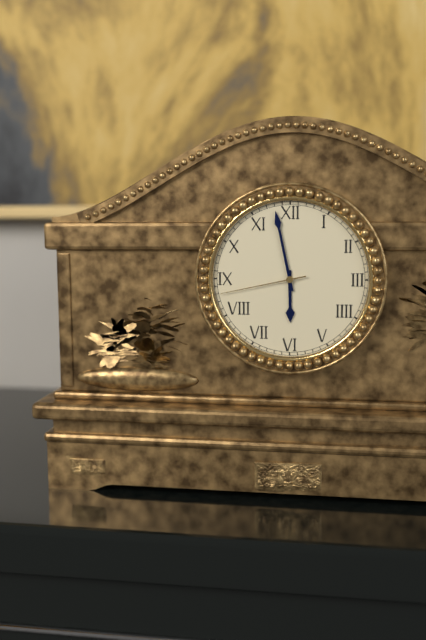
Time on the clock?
5:58:43
